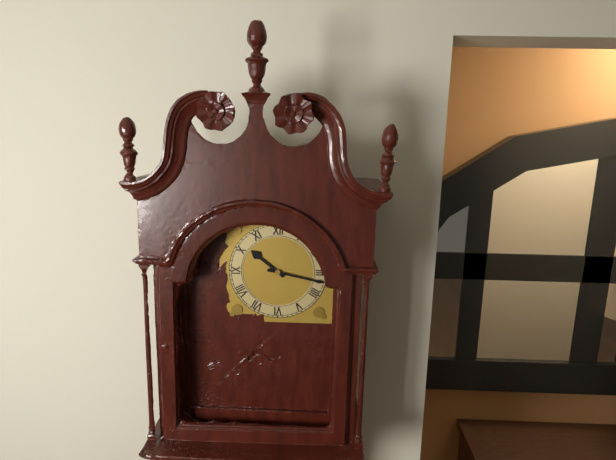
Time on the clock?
10:17
